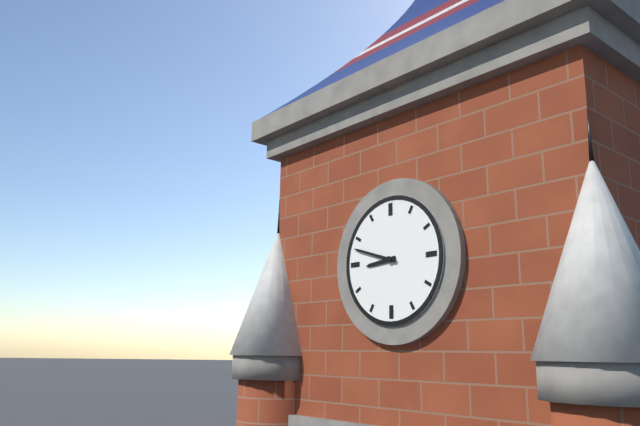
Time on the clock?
8:48
